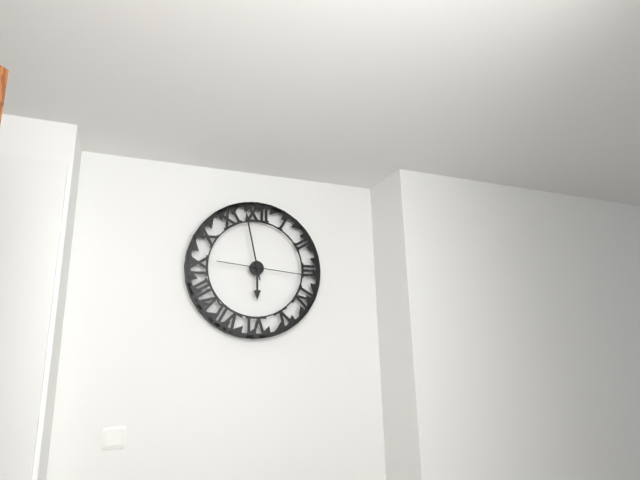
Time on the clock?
5:58:16
